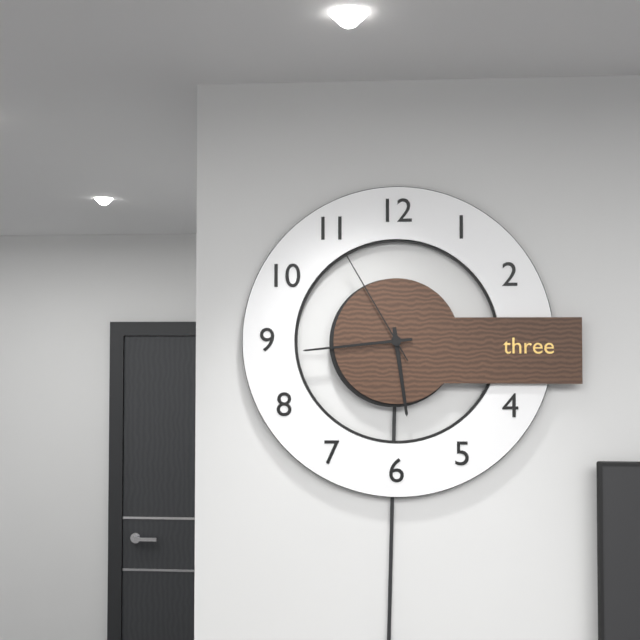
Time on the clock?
5:44:55
